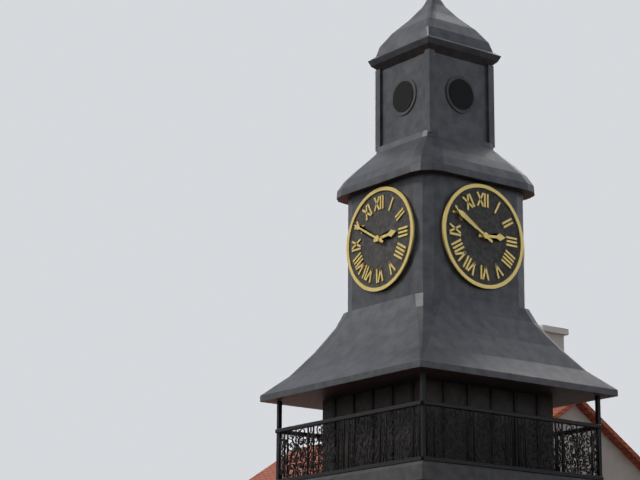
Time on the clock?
2:50
